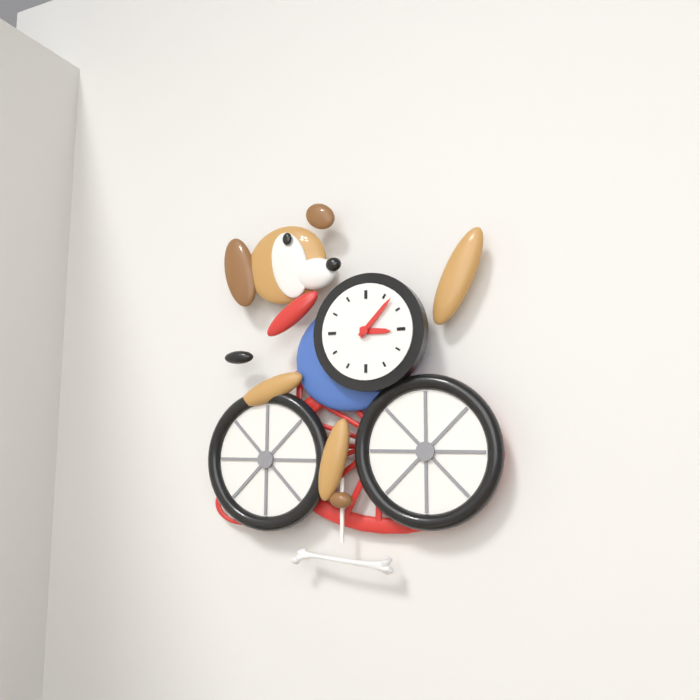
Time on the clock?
3:07
